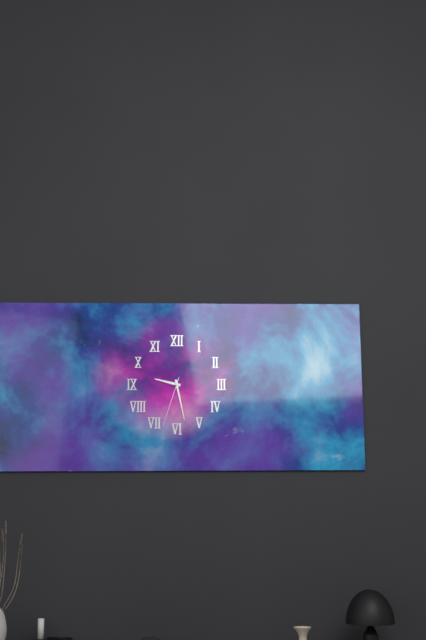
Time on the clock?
9:28:33
